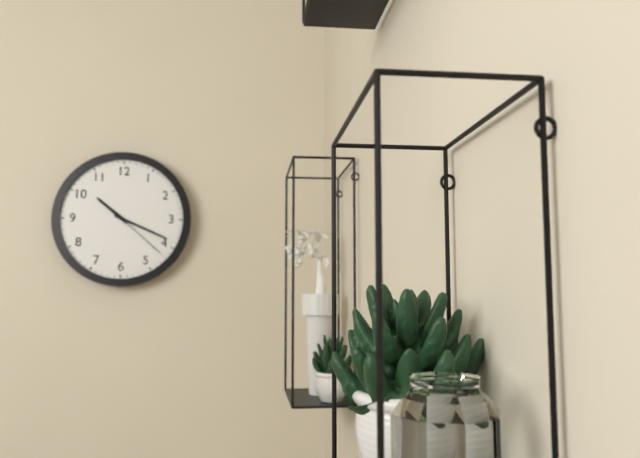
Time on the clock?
10:19:22
